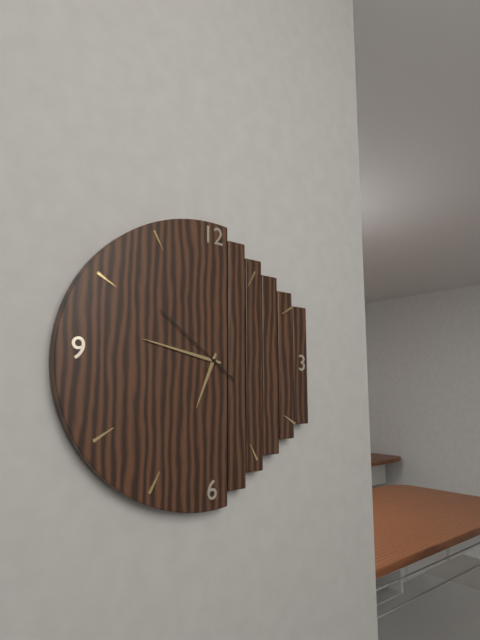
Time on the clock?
6:47:51
